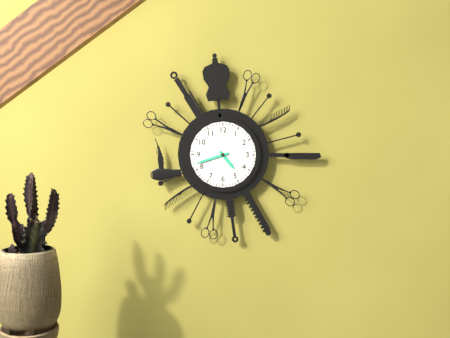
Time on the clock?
4:42
